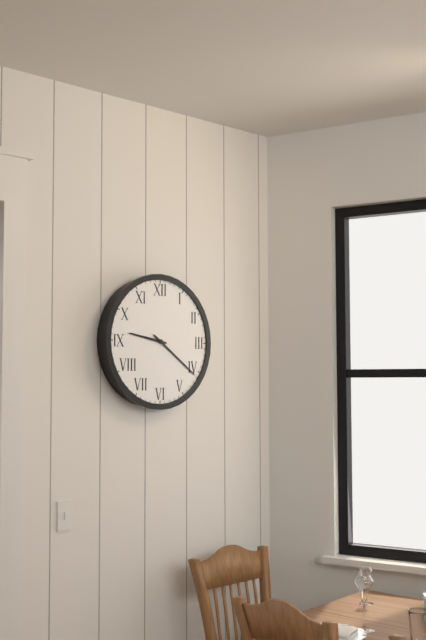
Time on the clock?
9:21
